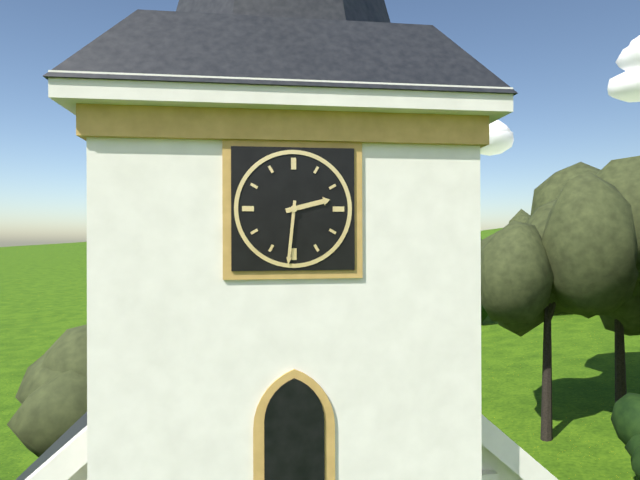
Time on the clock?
2:31
